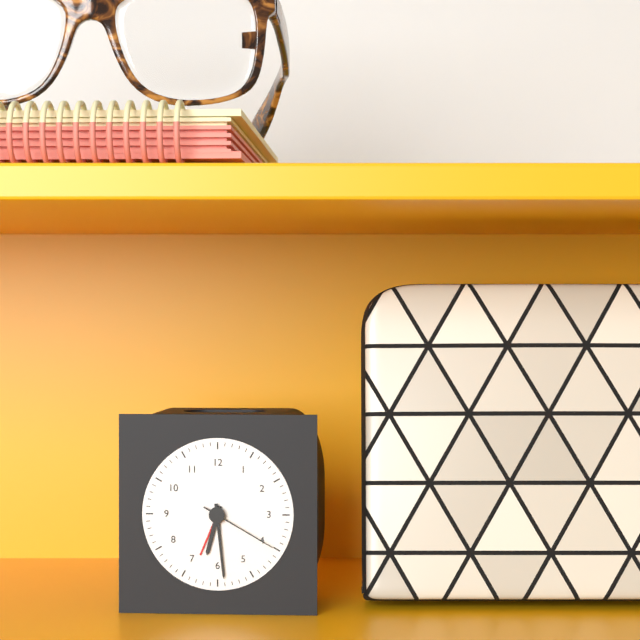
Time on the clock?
6:29:20
